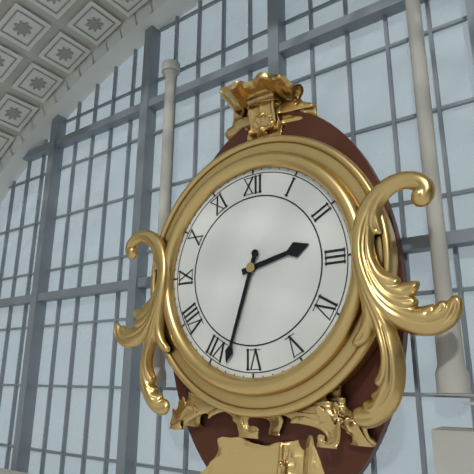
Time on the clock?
2:33
